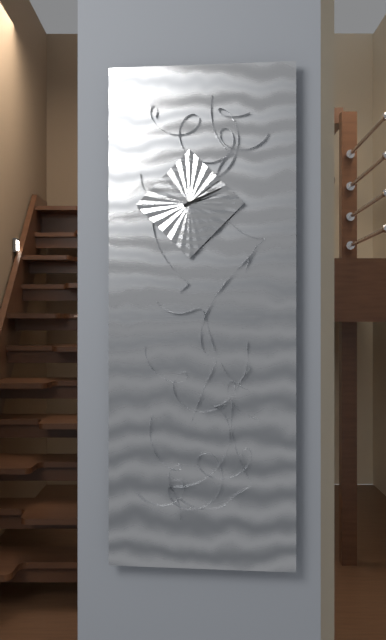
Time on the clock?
2:11
